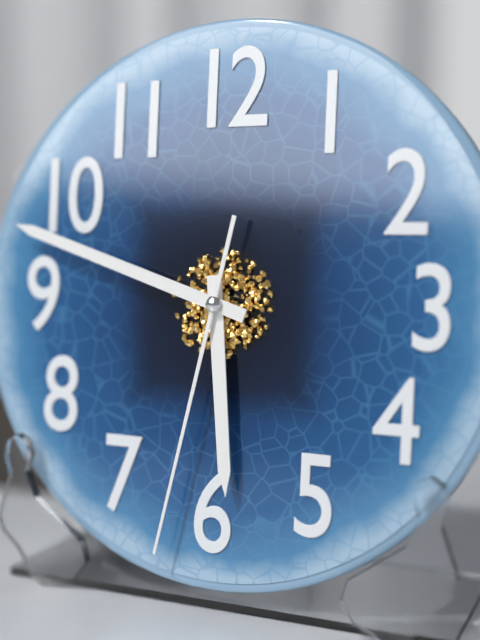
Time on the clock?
5:48:32
